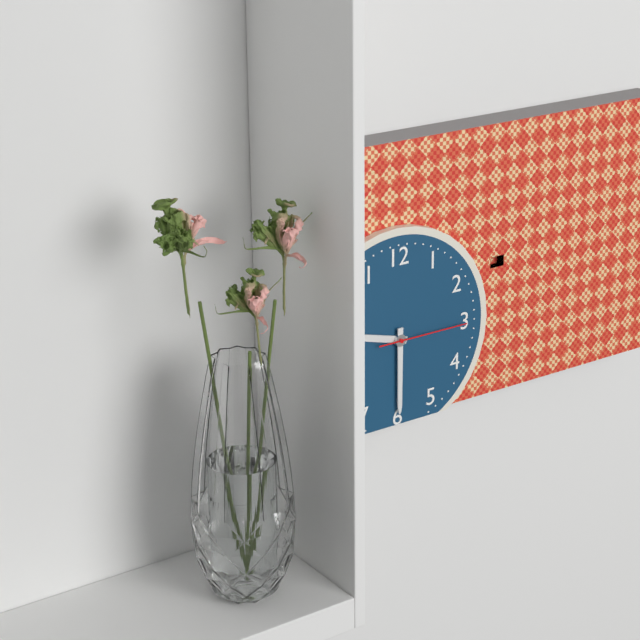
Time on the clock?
9:30:15
